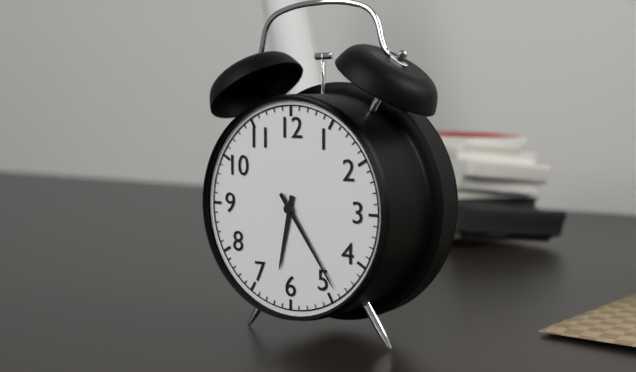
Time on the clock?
6:24
